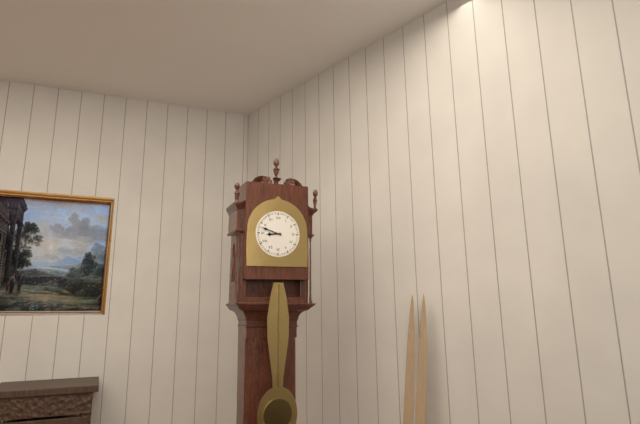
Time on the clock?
8:48
